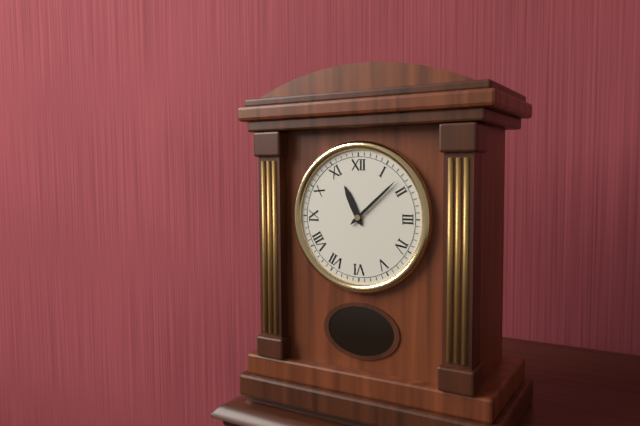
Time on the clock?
11:08
